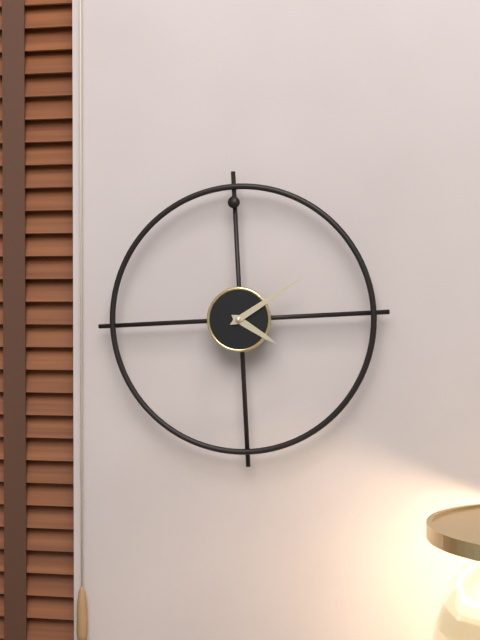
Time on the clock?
4:10
